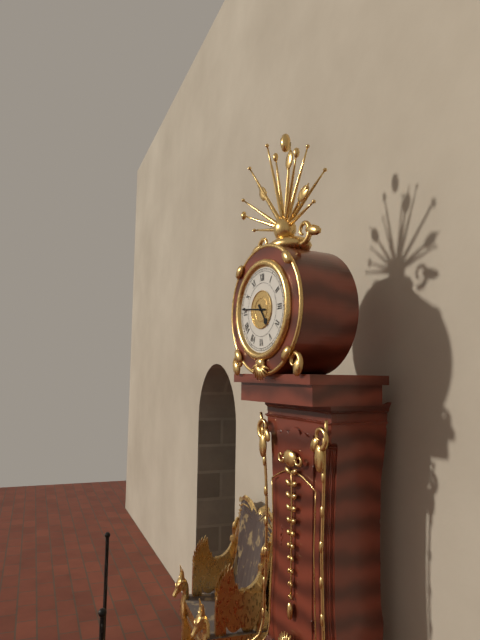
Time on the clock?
4:46
